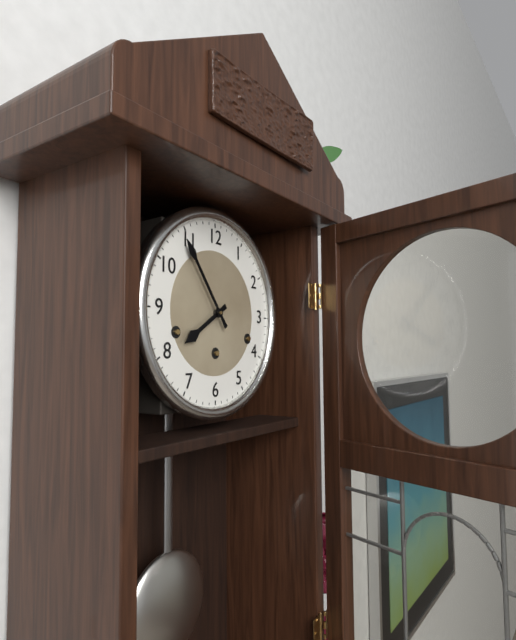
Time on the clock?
7:54
